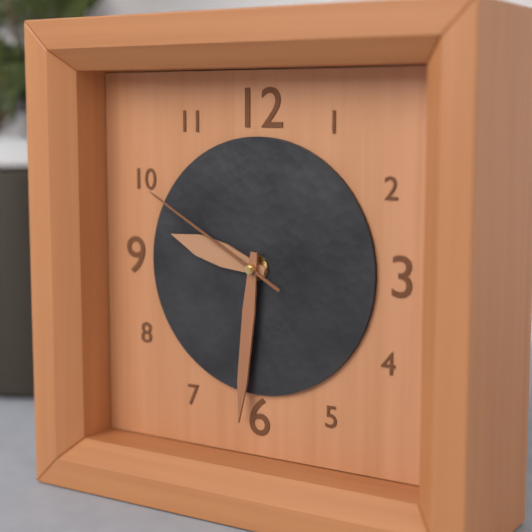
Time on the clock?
9:31:50
